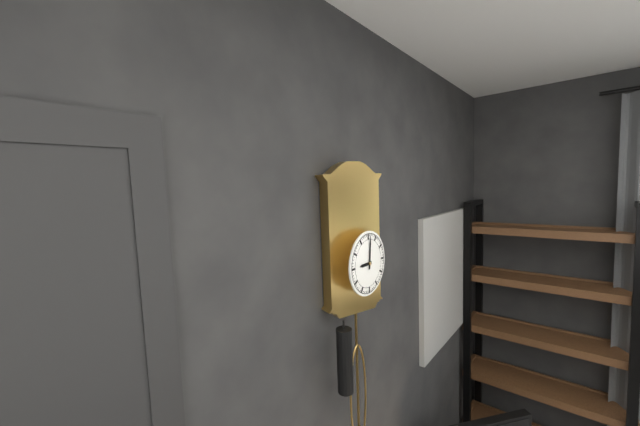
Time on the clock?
9:01
